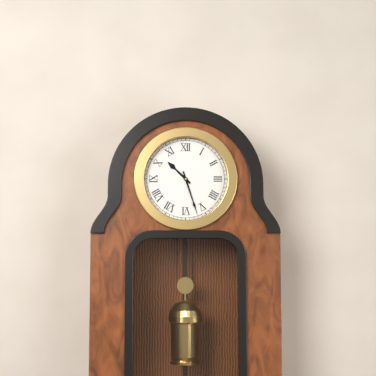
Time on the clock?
10:27
